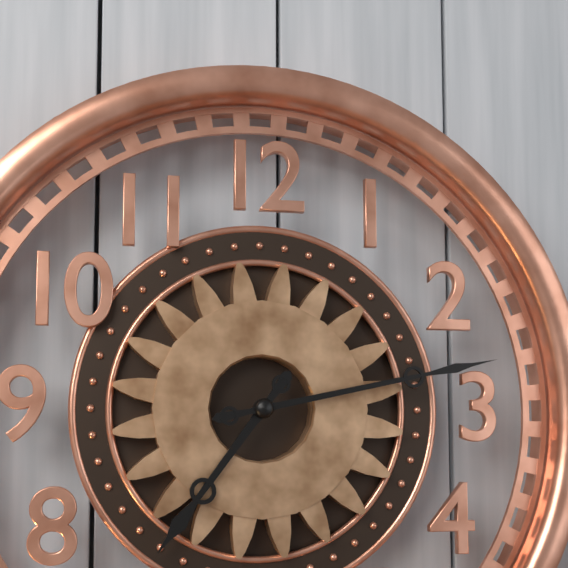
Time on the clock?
7:13
